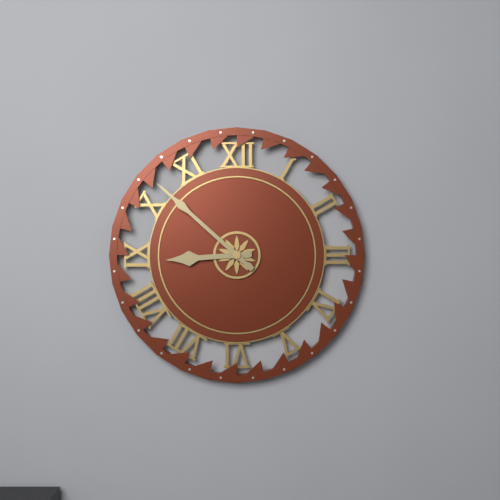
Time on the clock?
8:52
